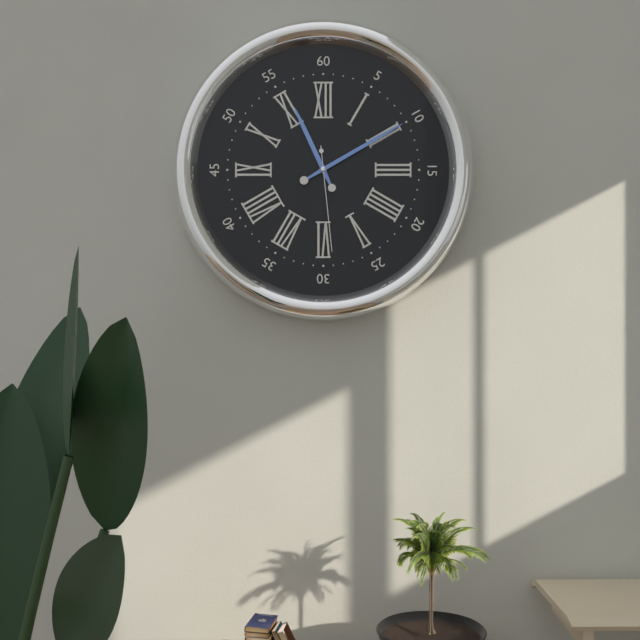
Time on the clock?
11:10:29
